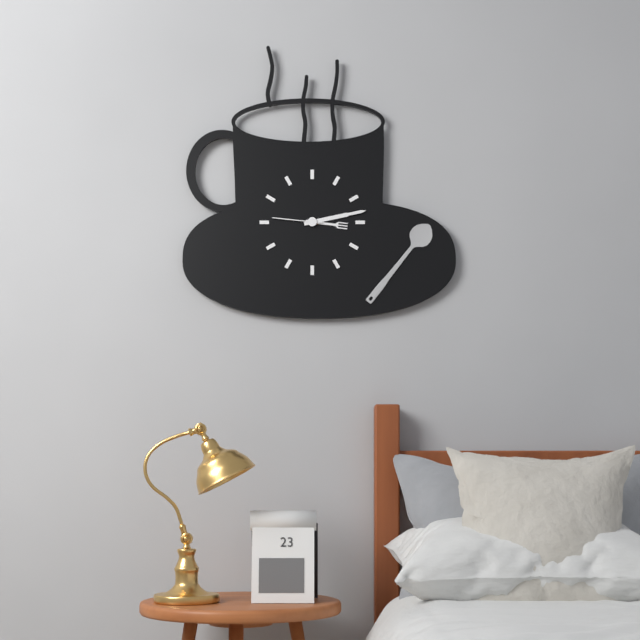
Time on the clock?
3:13:46
